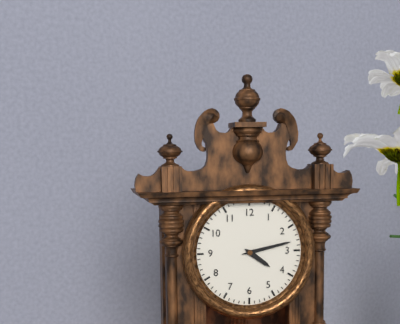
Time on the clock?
4:13
